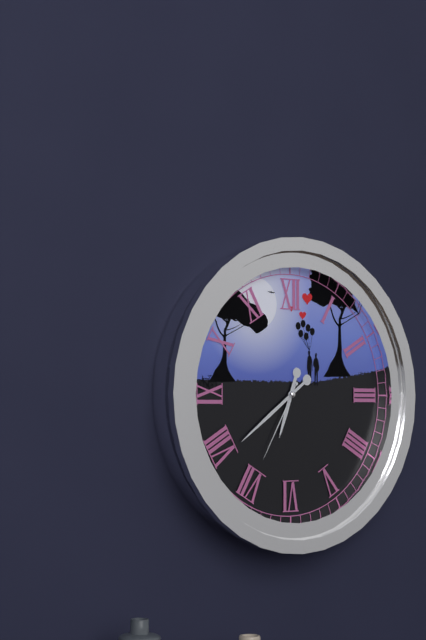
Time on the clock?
6:39:35
